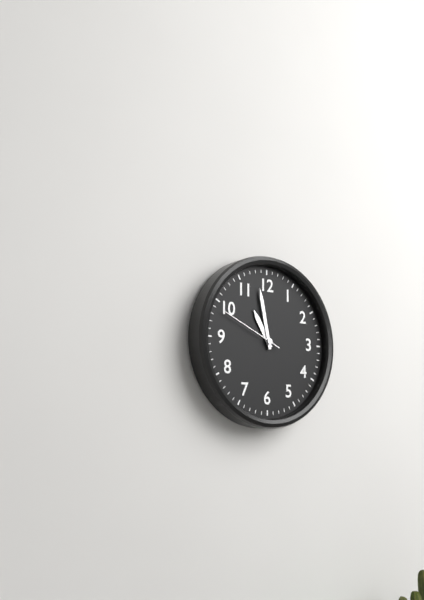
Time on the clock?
10:58:49
